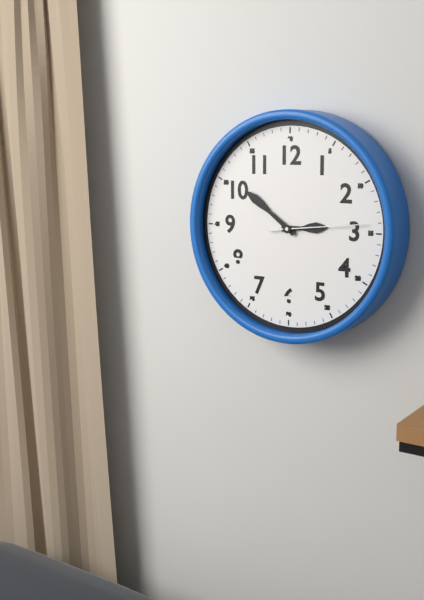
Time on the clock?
2:51:14
